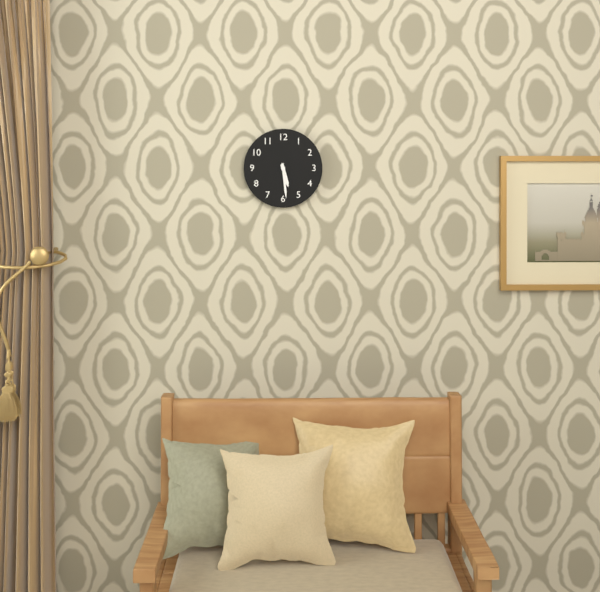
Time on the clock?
5:29
